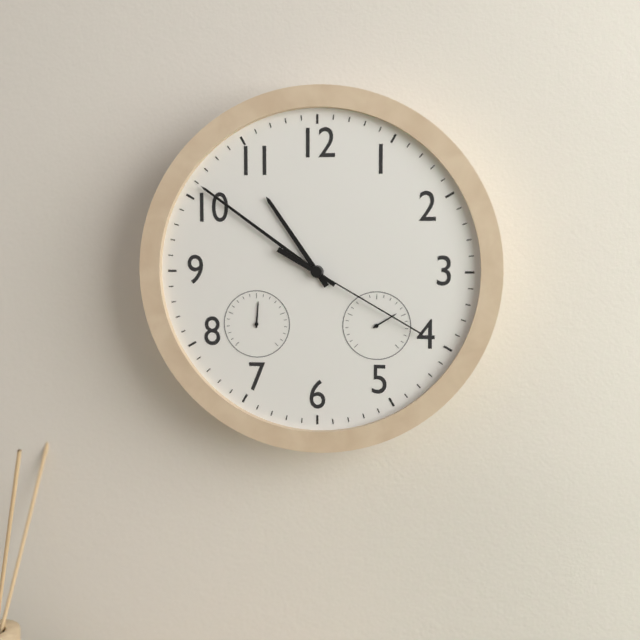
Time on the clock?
10:51:20
